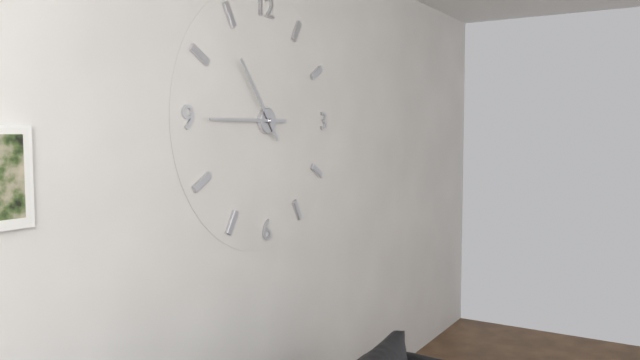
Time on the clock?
10:45
